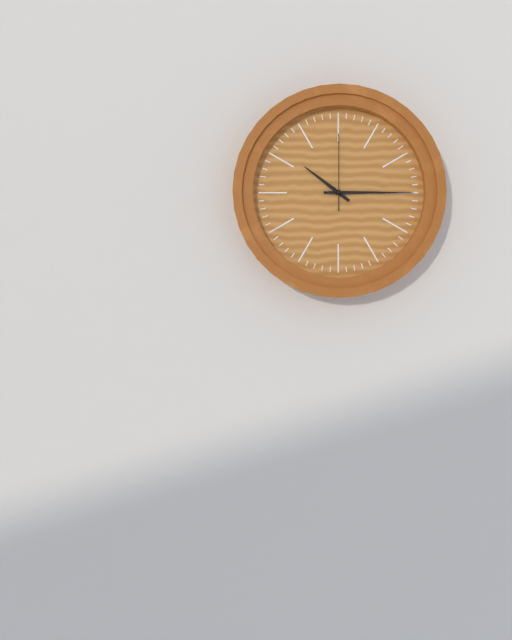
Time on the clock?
10:15:00
